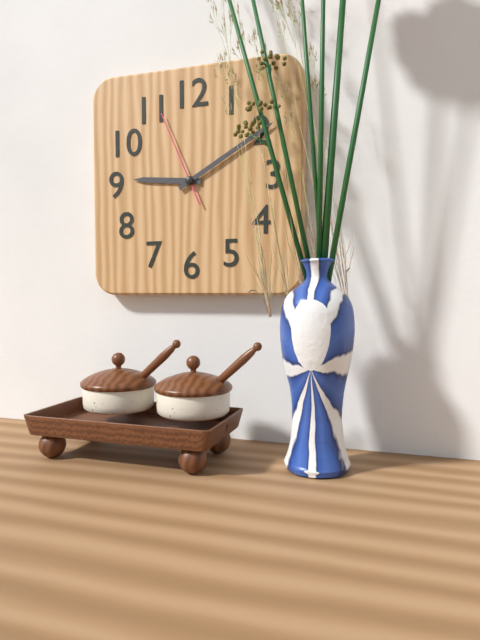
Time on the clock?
9:10:56
